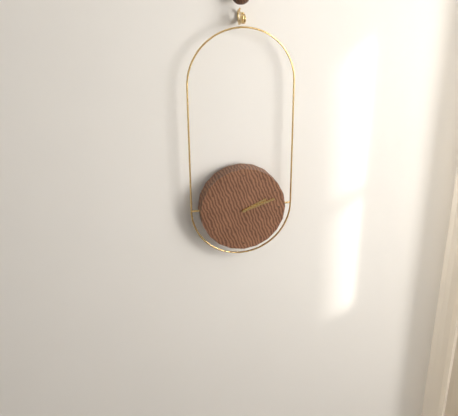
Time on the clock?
2:12
